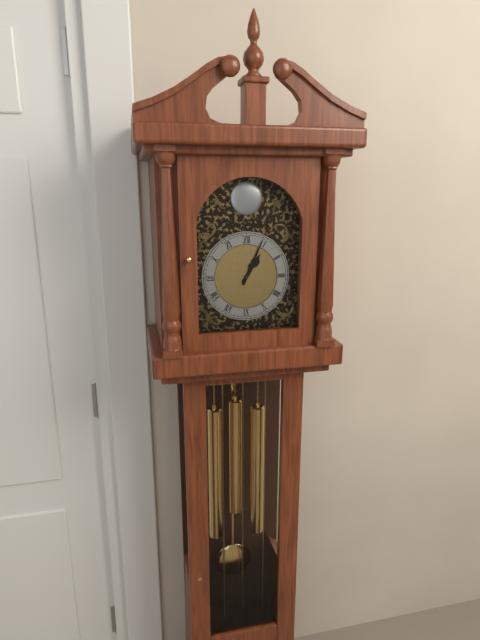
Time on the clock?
1:04
